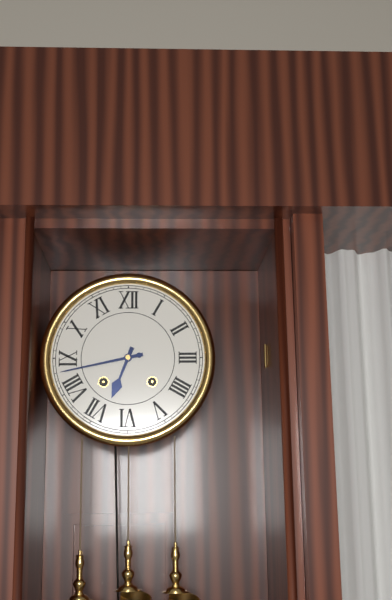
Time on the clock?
6:43
